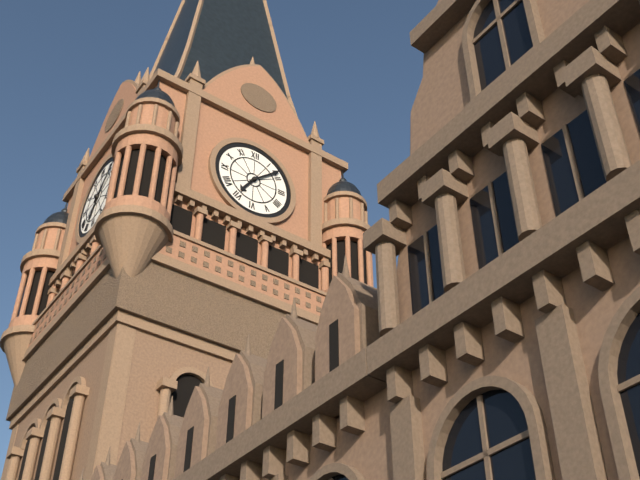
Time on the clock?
7:08
